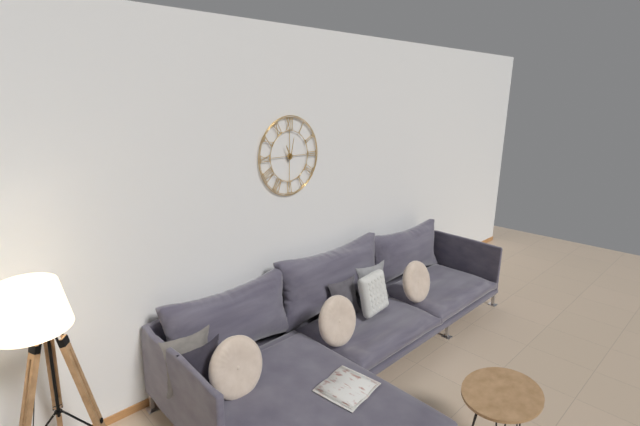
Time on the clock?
11:02
